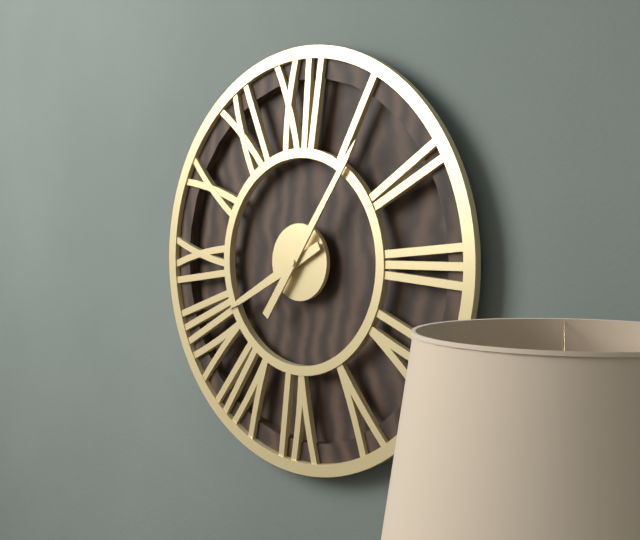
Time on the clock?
8:06
